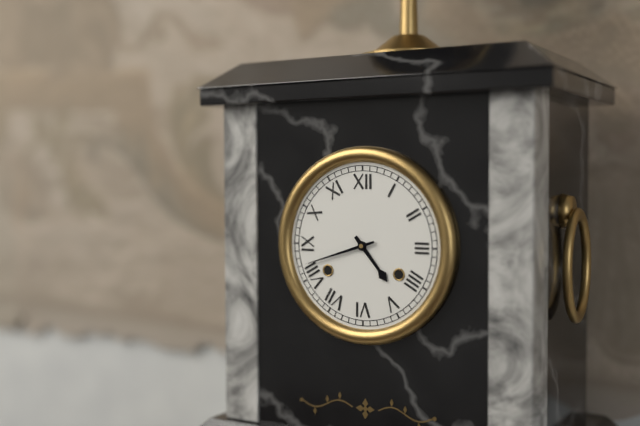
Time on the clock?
4:42
